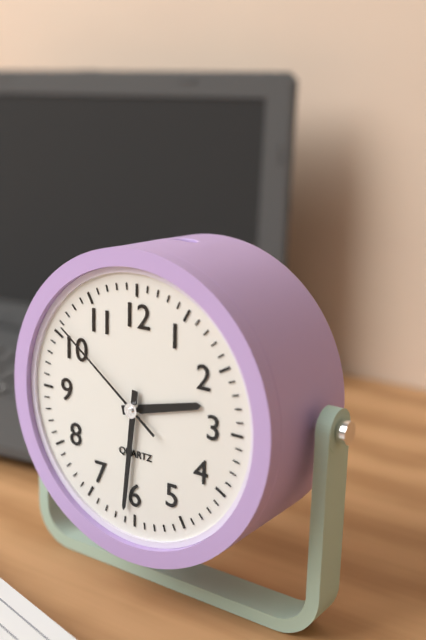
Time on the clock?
2:31:51
